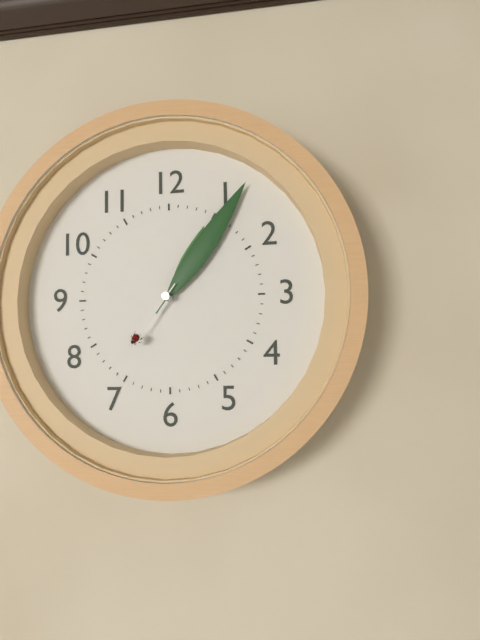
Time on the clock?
1:06:36
